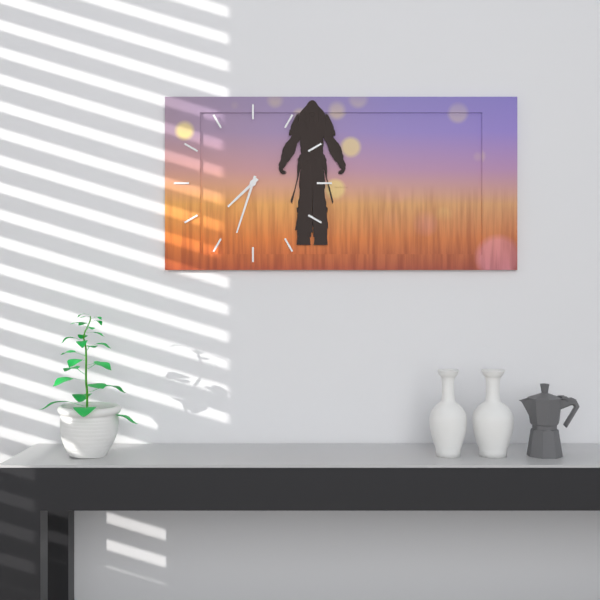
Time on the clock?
7:33
